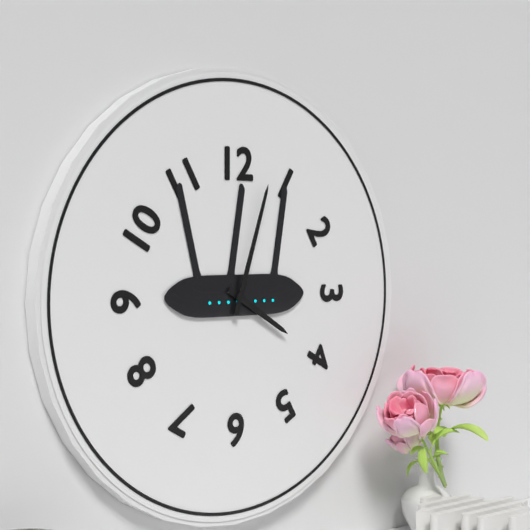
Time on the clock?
4:03
